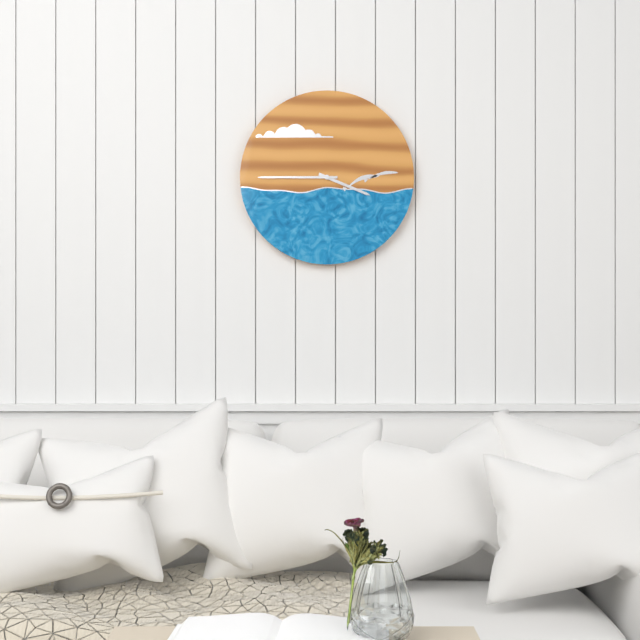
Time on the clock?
3:45
